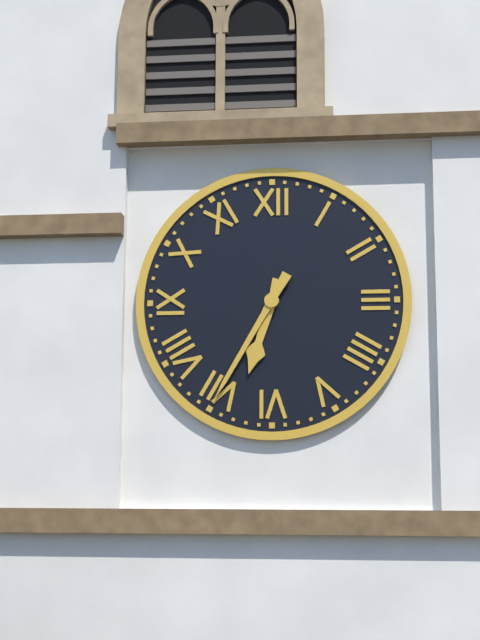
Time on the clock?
6:35
